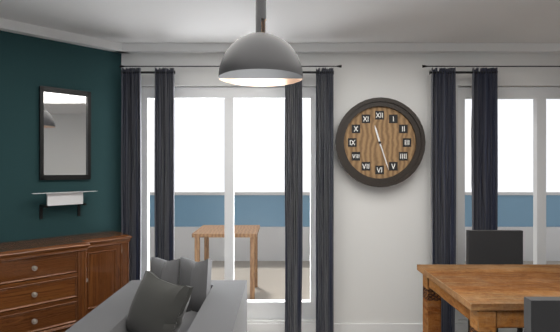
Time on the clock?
11:27
